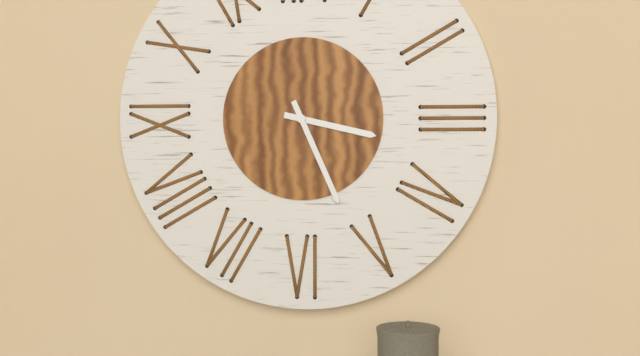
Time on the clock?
3:26
